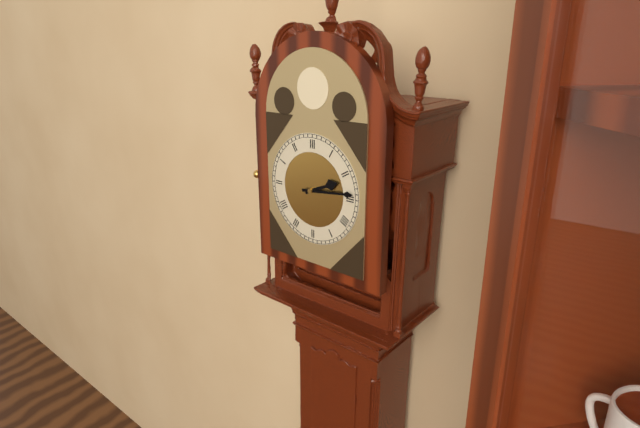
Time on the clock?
2:14
